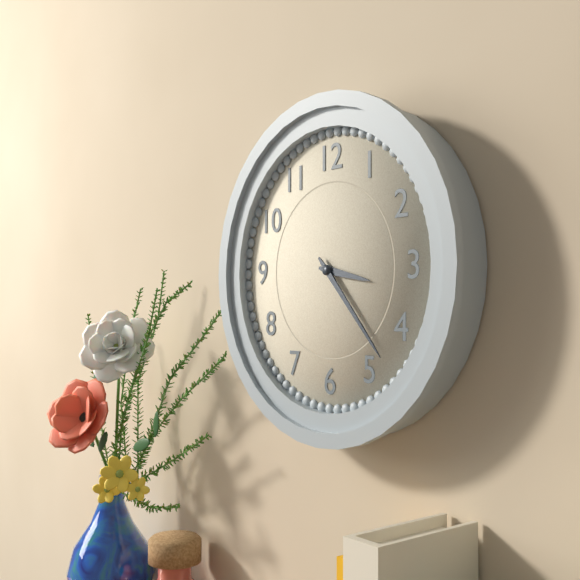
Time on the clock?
3:23
